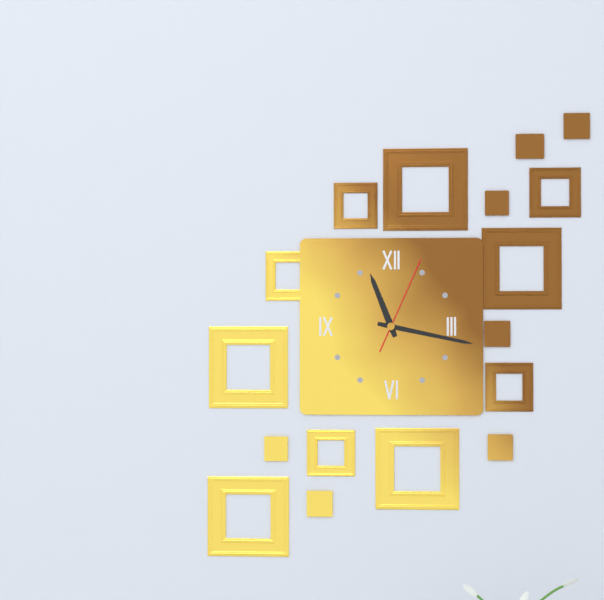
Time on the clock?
11:17:04
